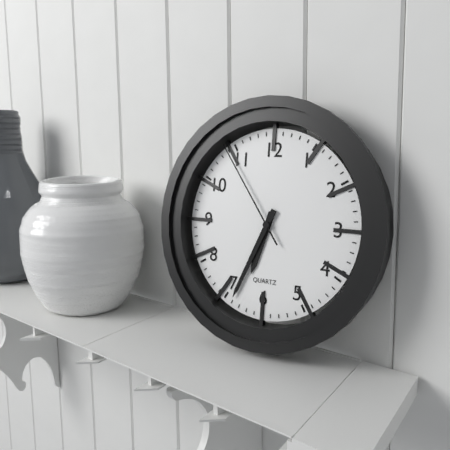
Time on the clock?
6:34:54
